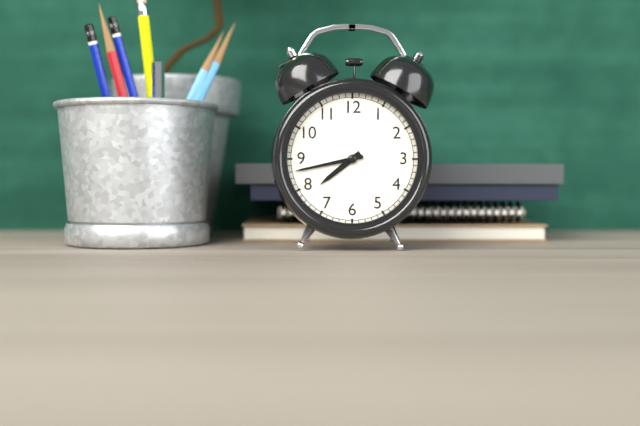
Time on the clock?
7:43
